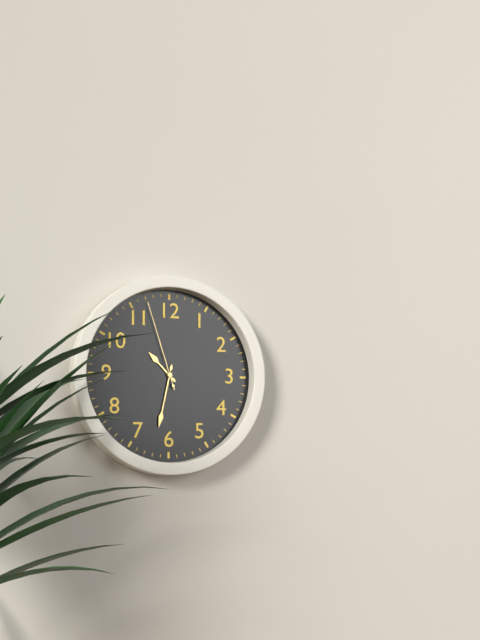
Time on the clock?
10:32:57
